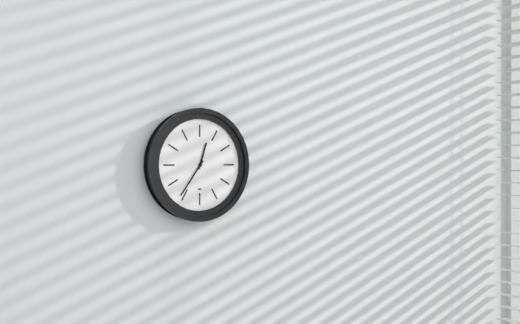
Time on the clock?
12:36
